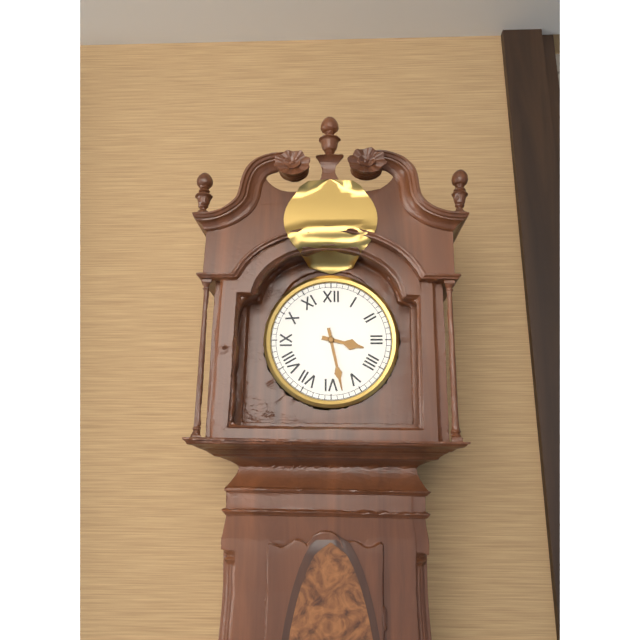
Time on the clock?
3:28
